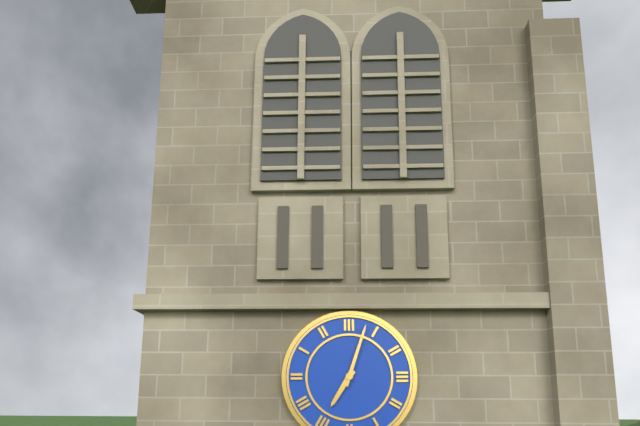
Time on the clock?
7:03
